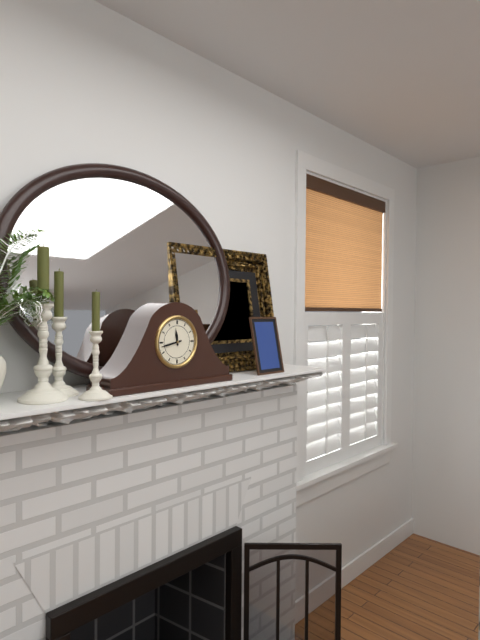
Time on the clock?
11:43
